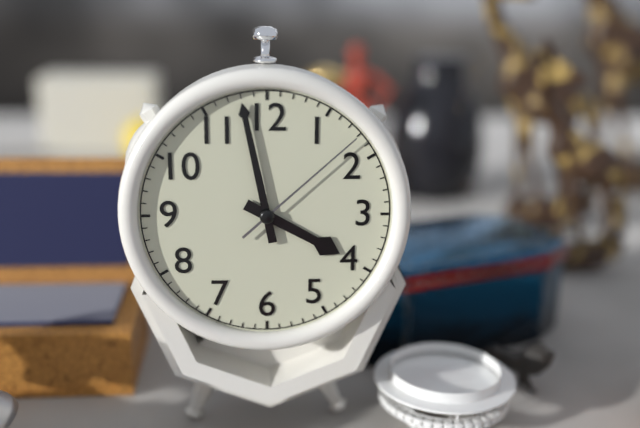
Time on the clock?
3:58:08
